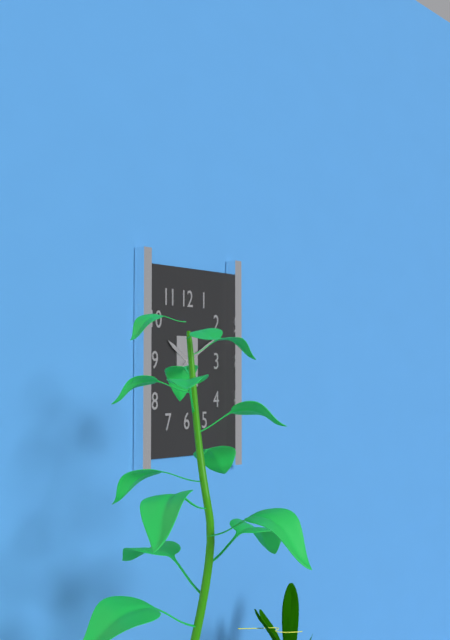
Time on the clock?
10:10
